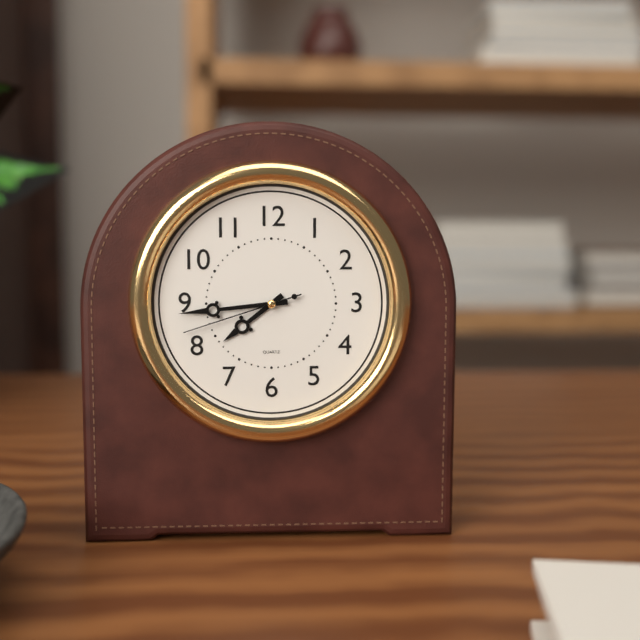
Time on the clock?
7:44:42
